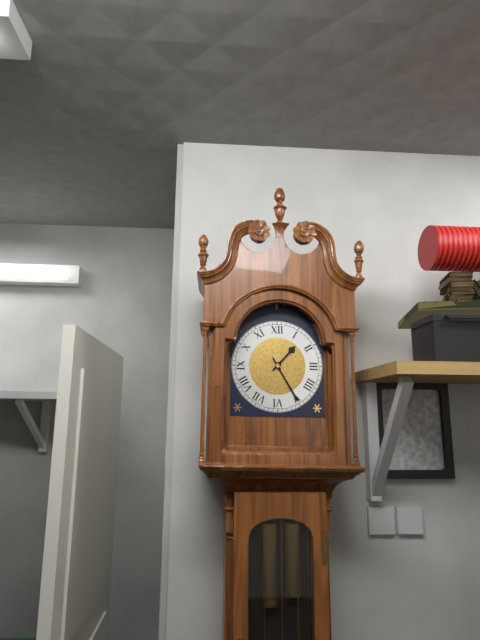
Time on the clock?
1:25
